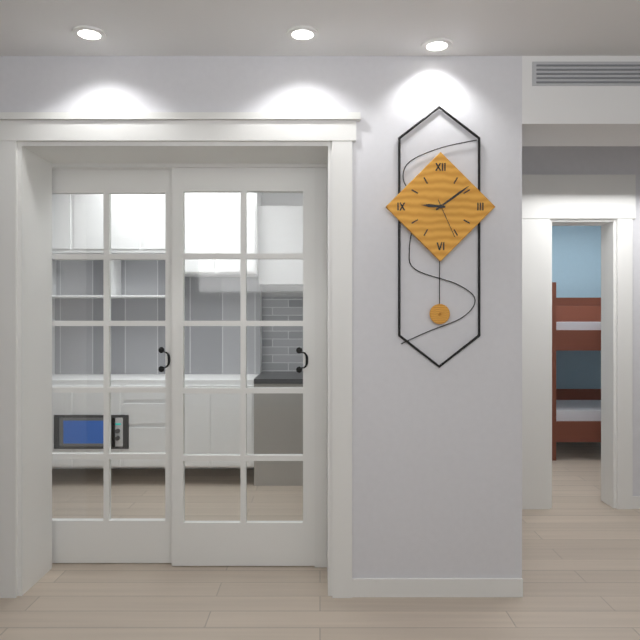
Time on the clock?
9:09
